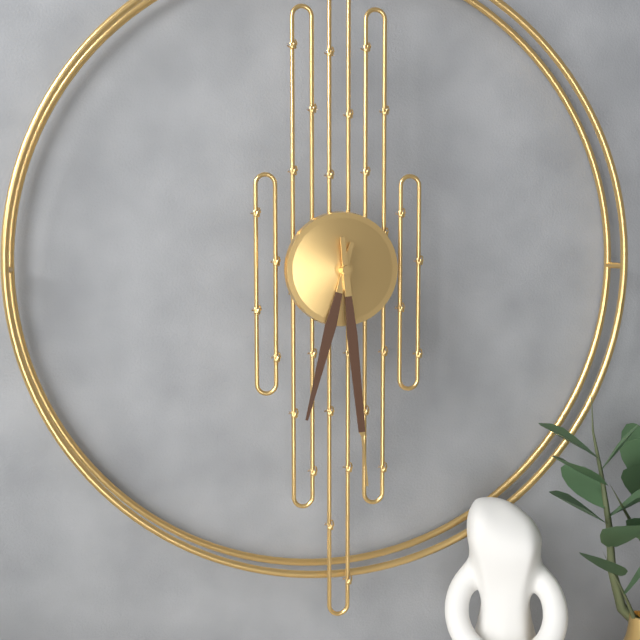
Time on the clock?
6:29
